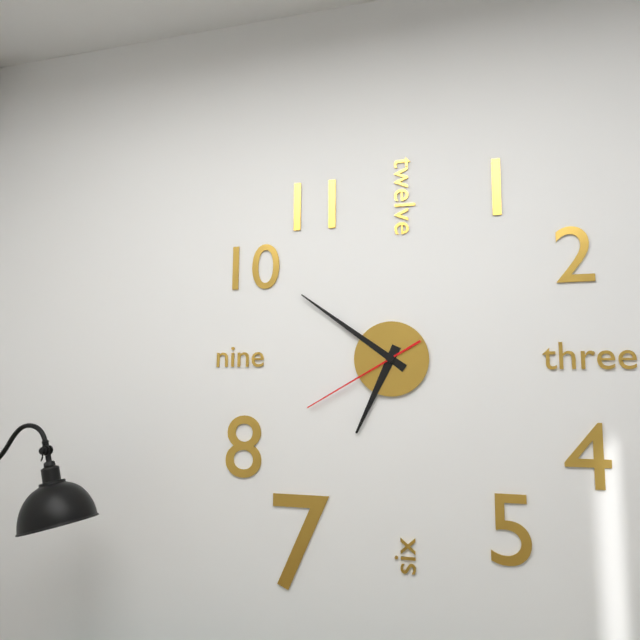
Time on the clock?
6:51:40
